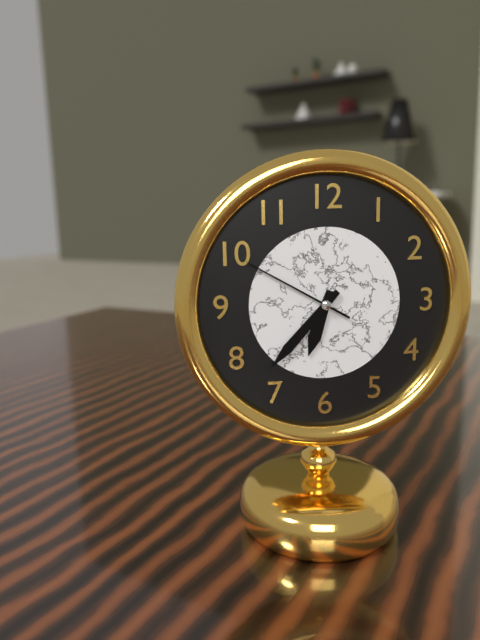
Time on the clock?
6:37:50
